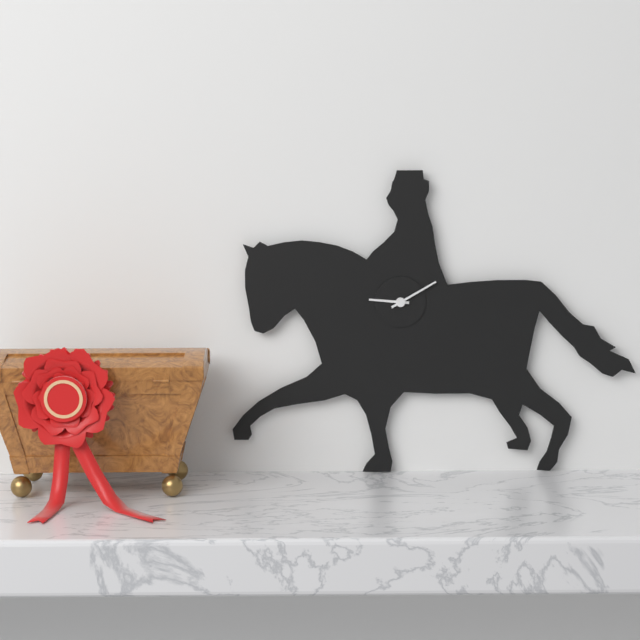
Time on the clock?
9:10
